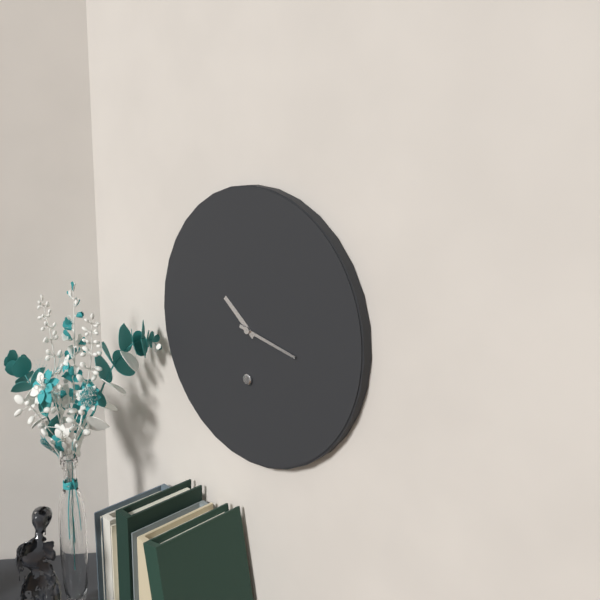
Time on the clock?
10:17
